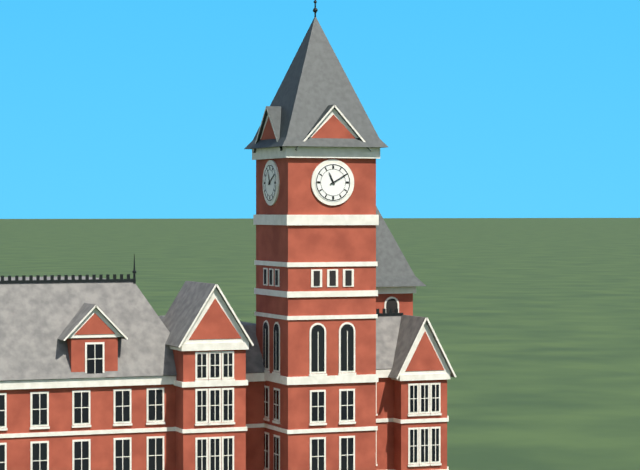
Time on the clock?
11:10
